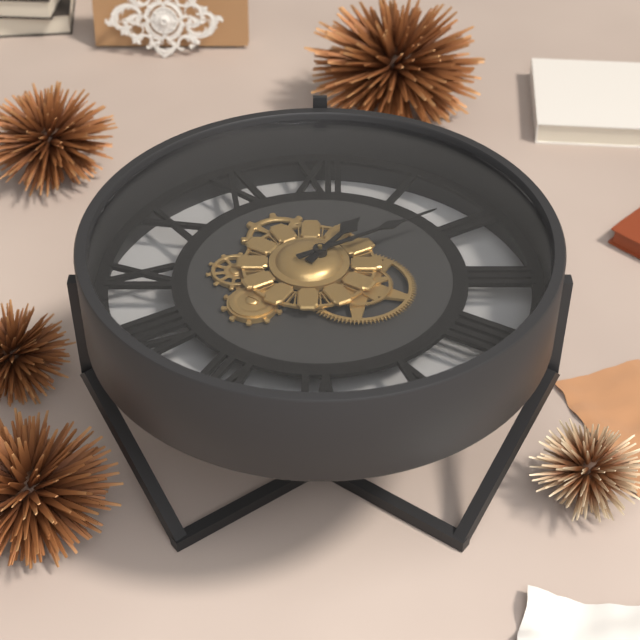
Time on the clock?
1:10
